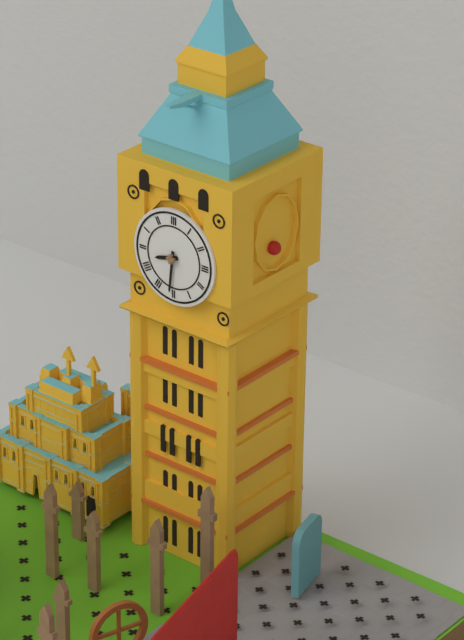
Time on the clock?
8:31
